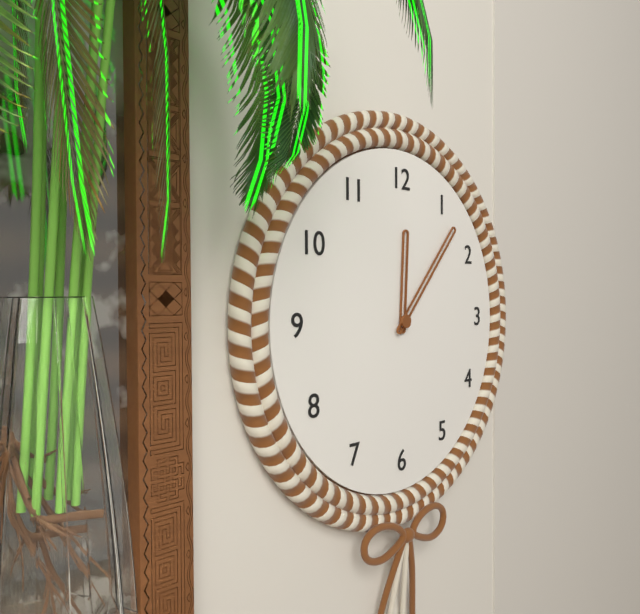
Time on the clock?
12:07
